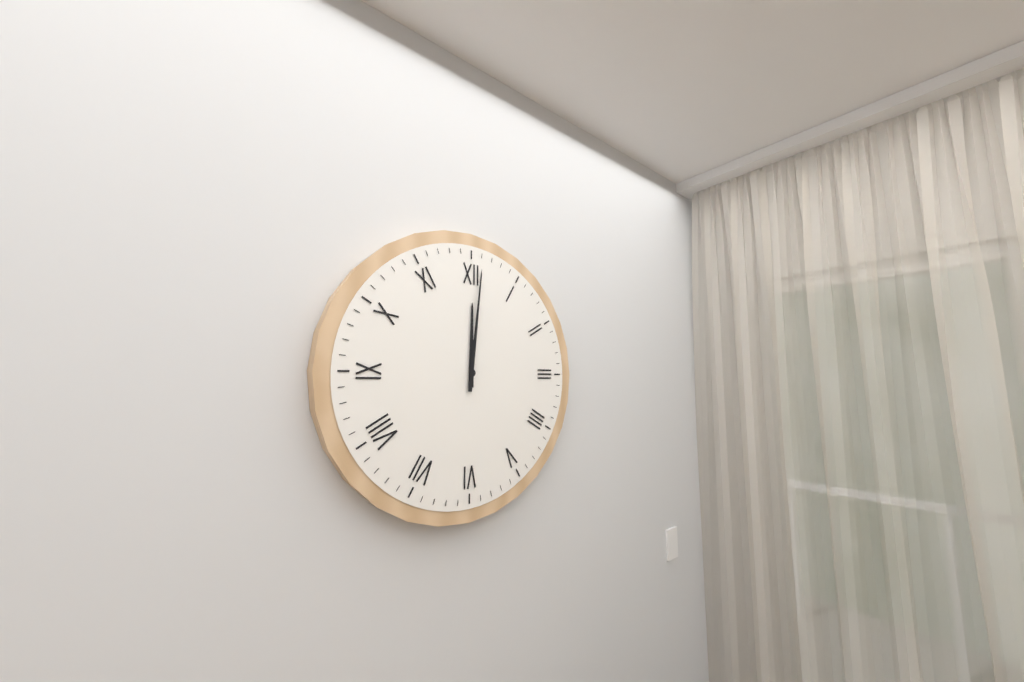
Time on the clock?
12:01
